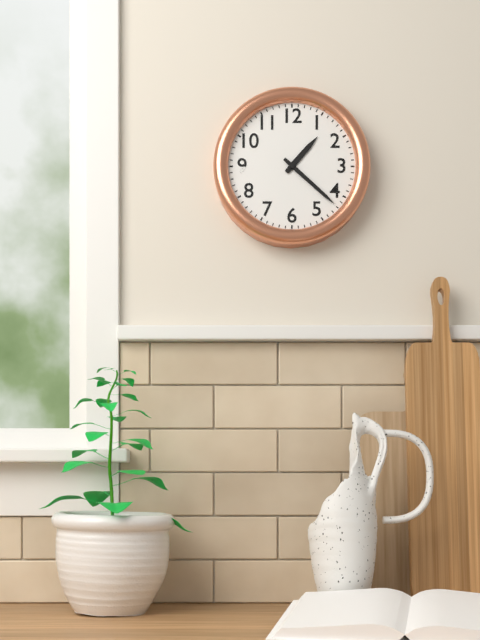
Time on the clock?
1:22
